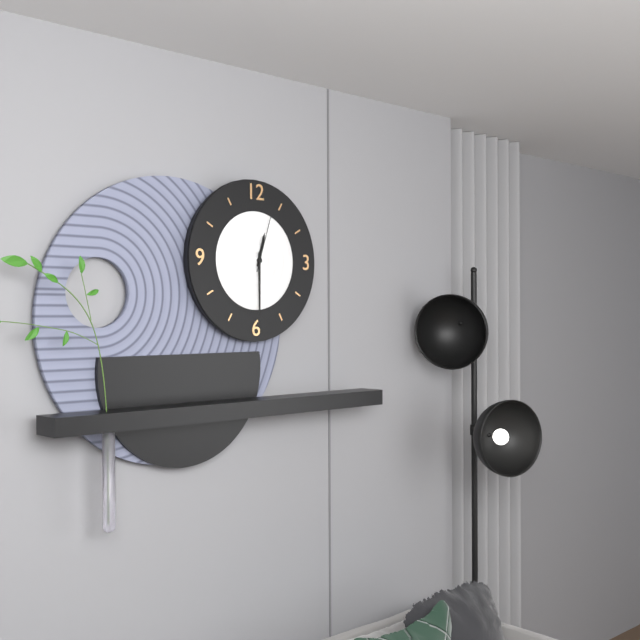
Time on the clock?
12:30:03
